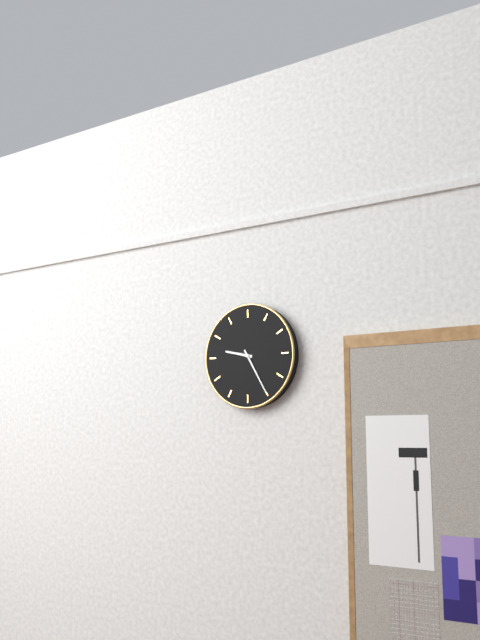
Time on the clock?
9:25
